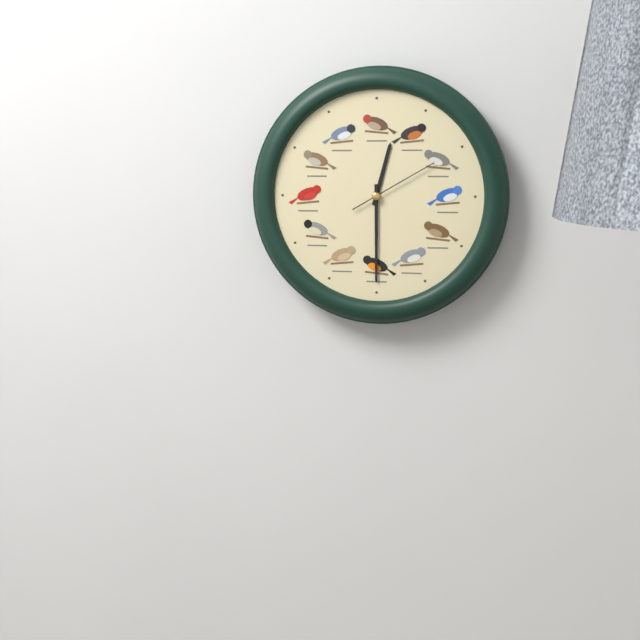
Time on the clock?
12:30:10
